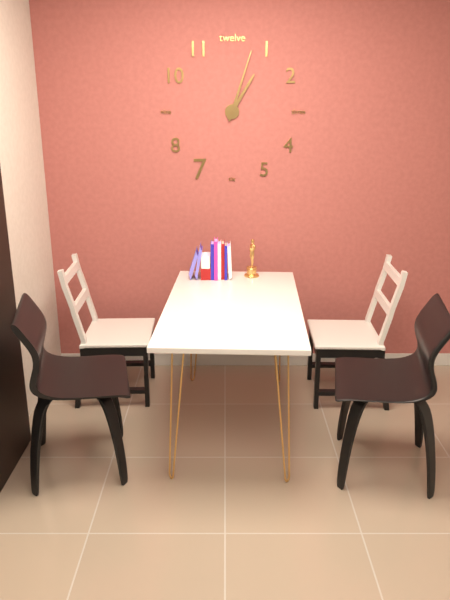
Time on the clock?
1:03
